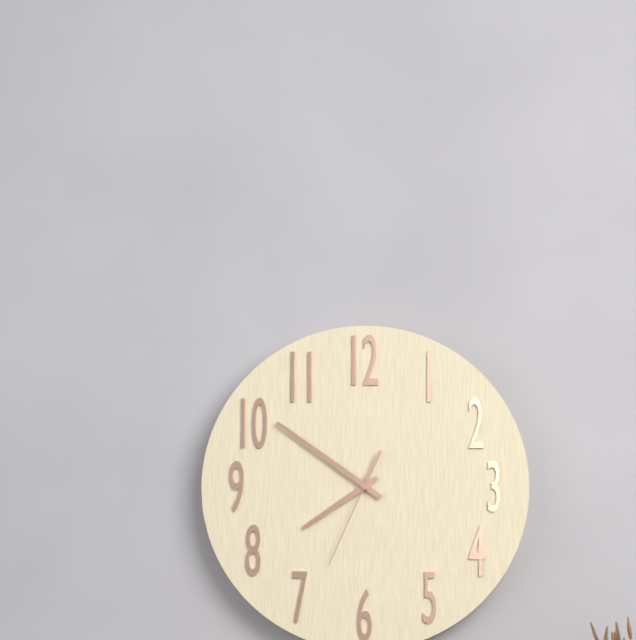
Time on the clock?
7:51:34
